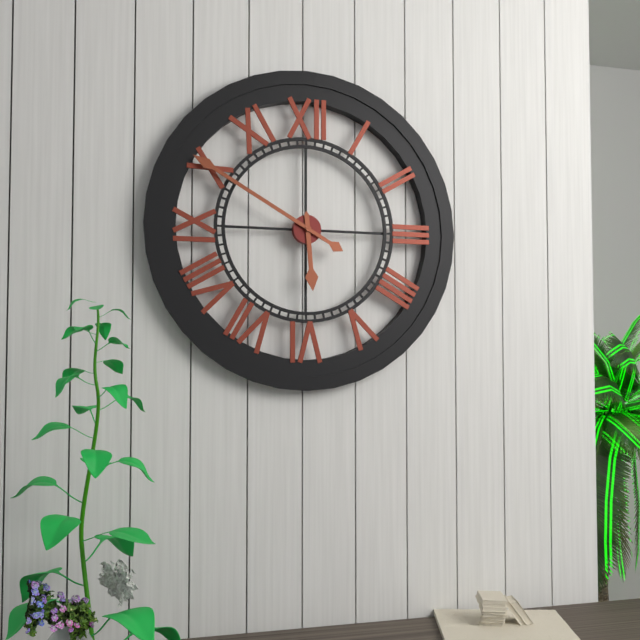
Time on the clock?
5:50
